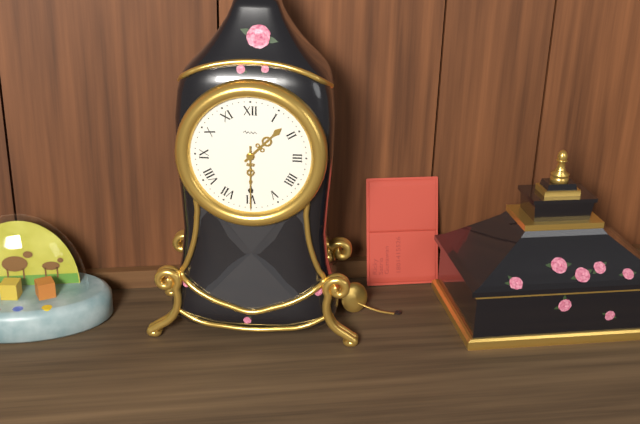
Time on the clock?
1:30
